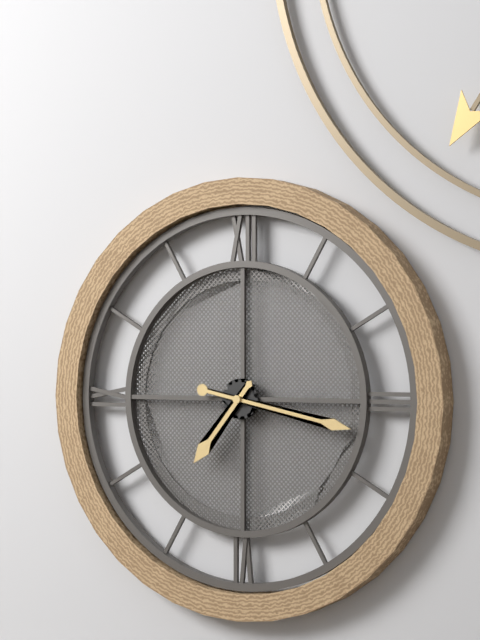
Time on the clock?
7:17
